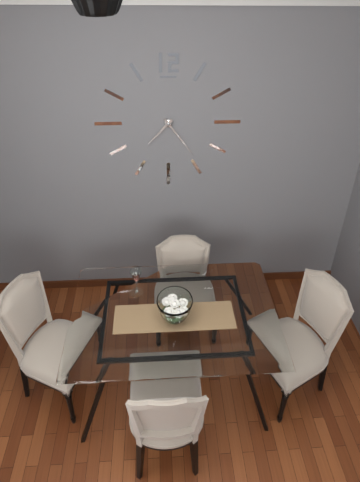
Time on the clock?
7:24
